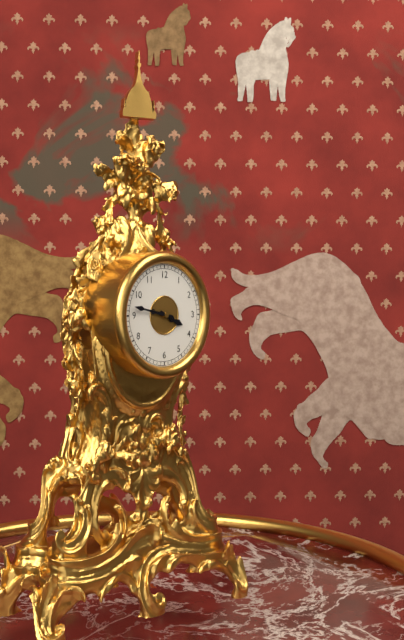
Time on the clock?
3:47
